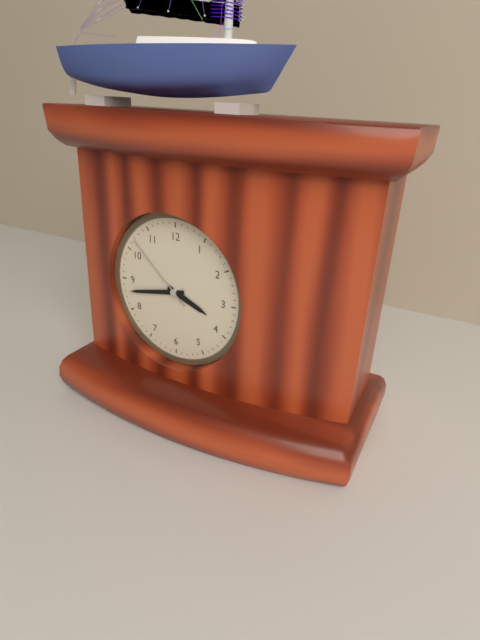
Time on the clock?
3:43:52
